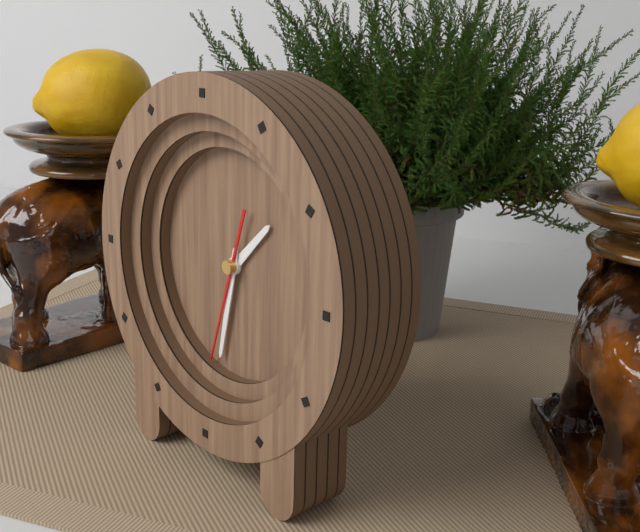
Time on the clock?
1:32:33
